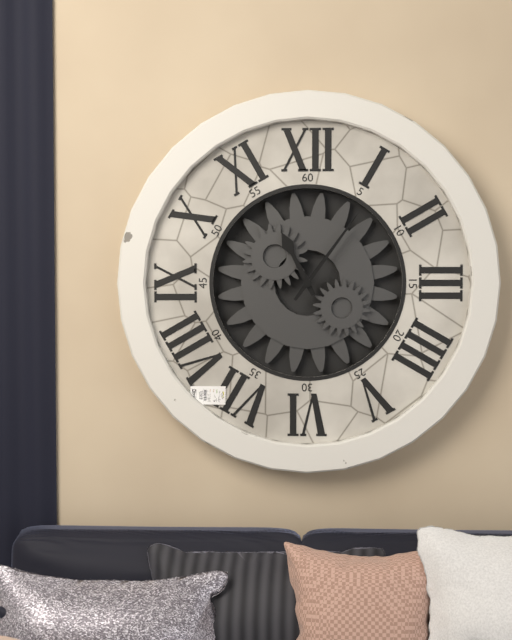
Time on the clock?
11:06
